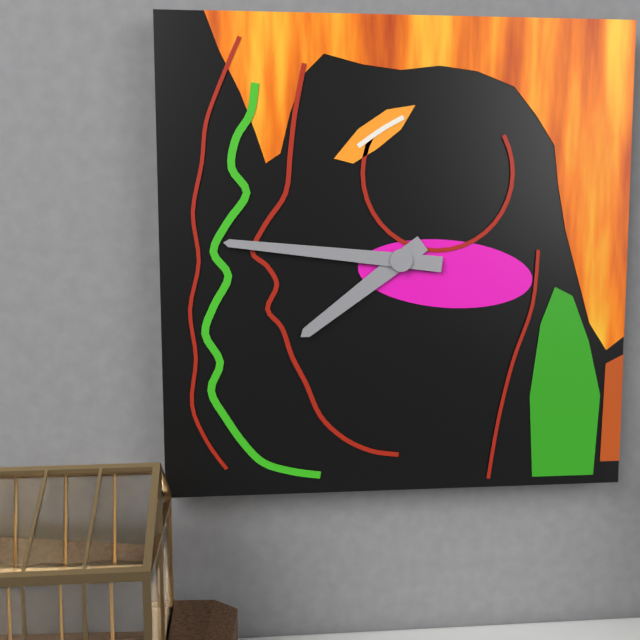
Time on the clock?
7:46
